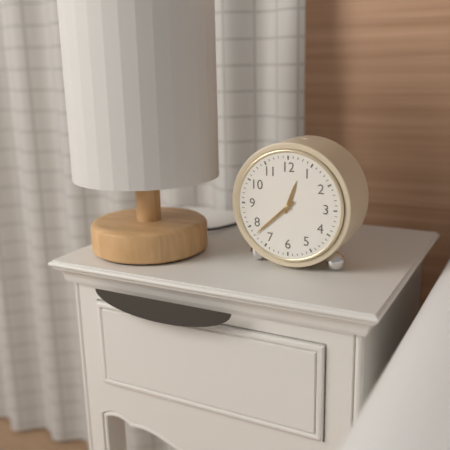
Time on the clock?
12:38
